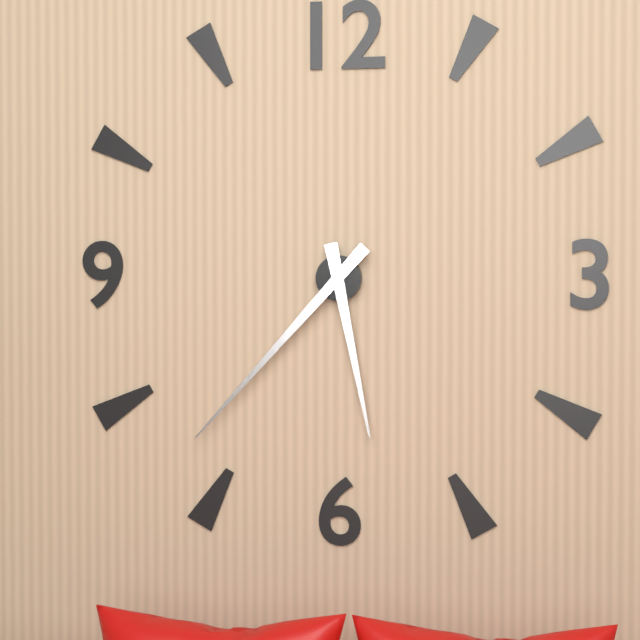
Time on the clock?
5:37
